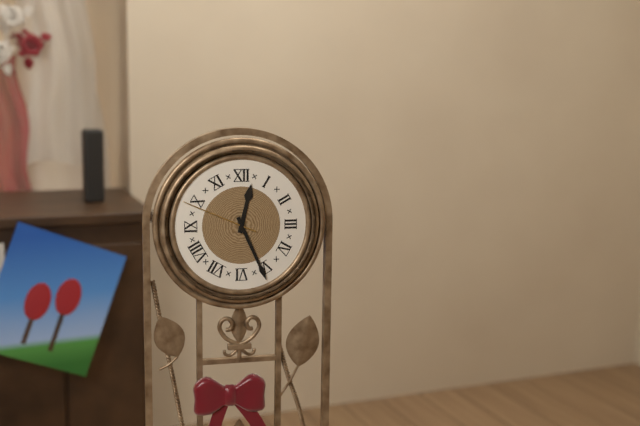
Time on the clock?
12:26:49
